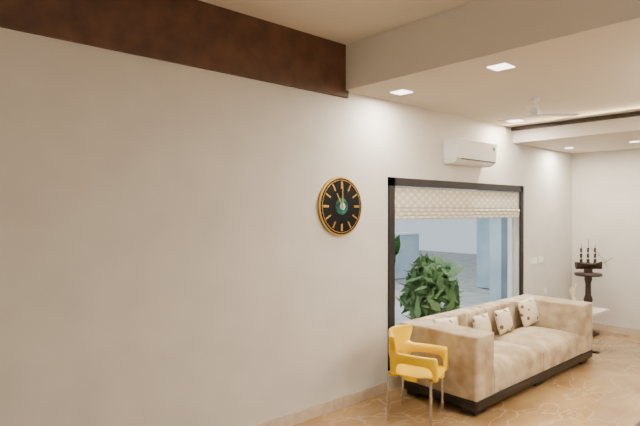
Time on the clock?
11:00
